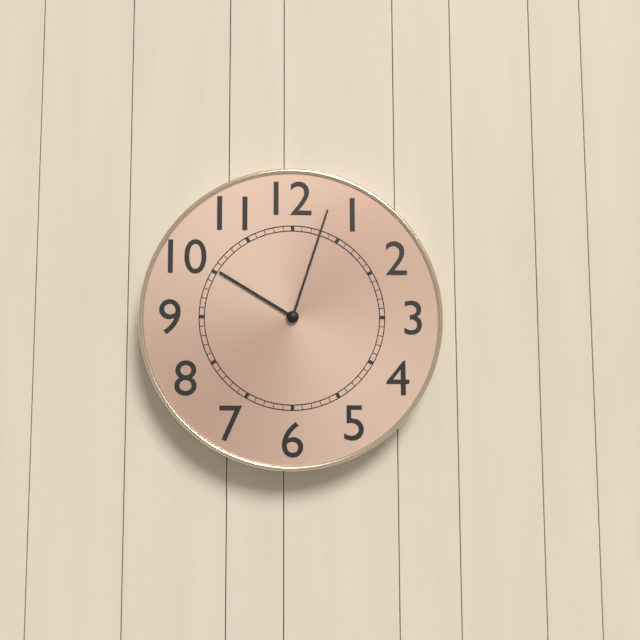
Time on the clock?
10:03
